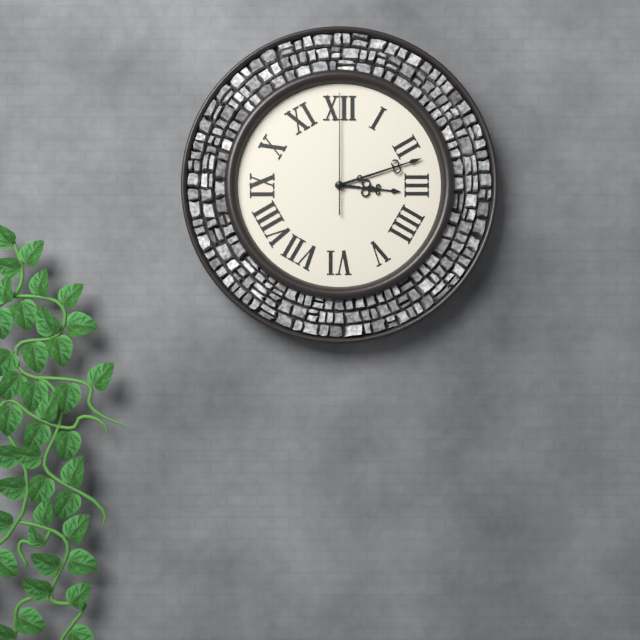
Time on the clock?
3:12:00
